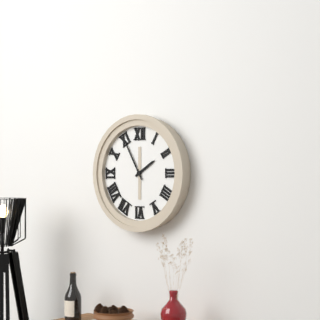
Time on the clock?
1:55
